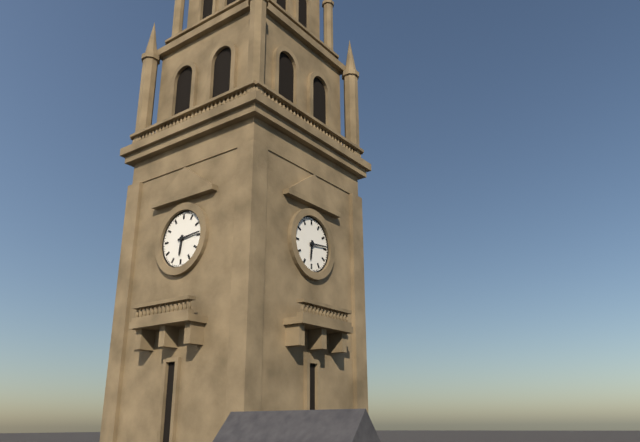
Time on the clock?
6:14
